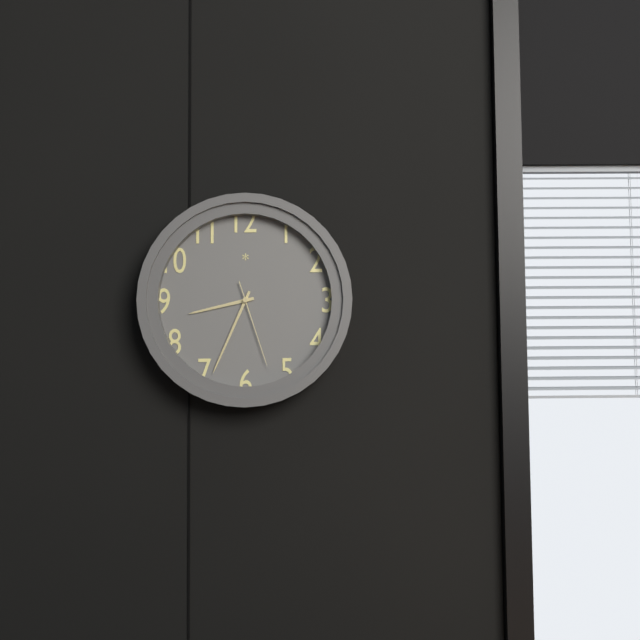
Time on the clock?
8:34:27
